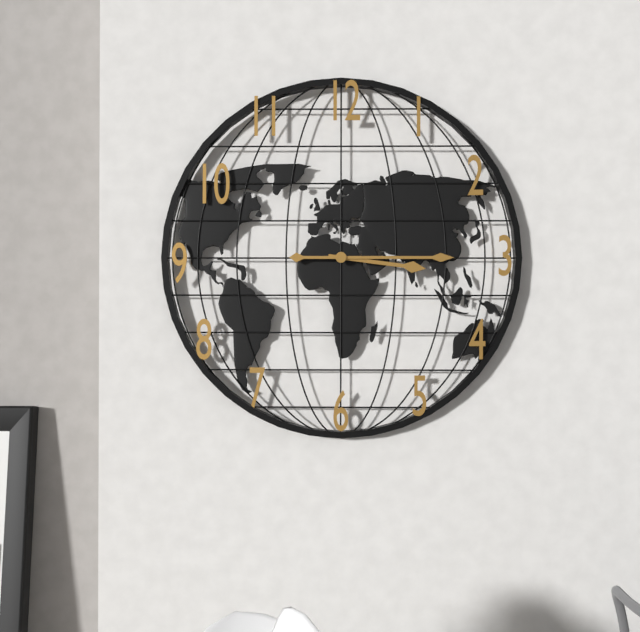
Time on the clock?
3:15
